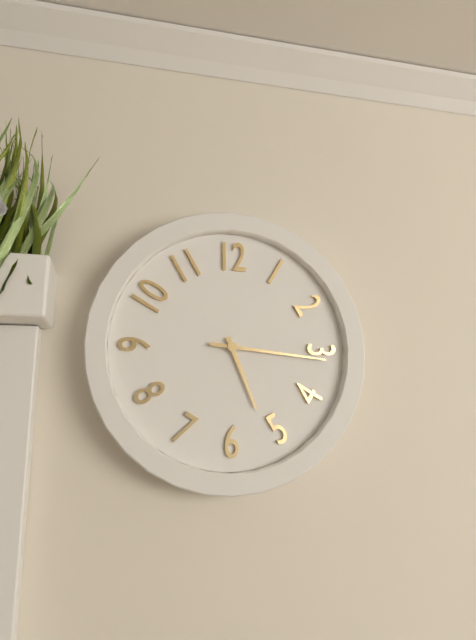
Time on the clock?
5:16
